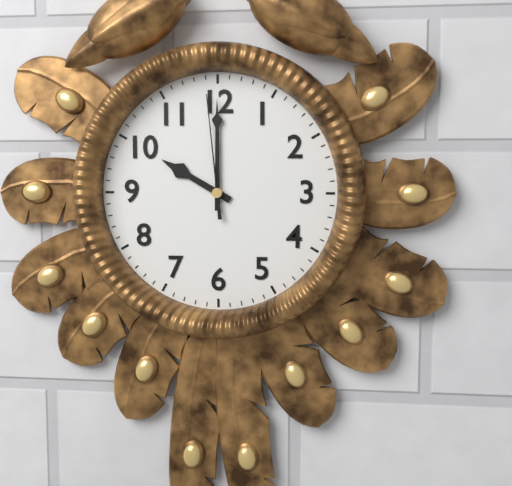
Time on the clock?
10:00:59
